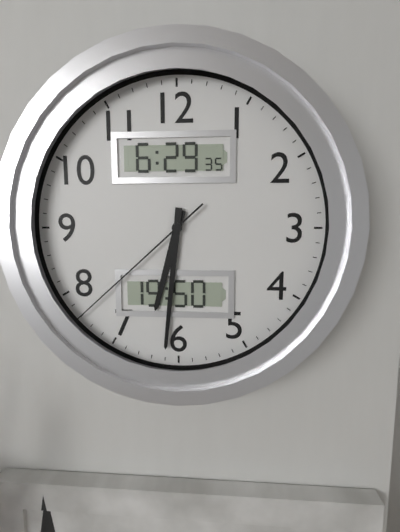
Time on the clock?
6:31:38
